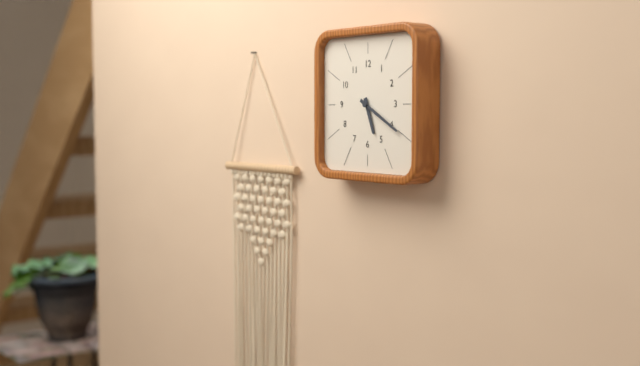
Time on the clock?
5:20
